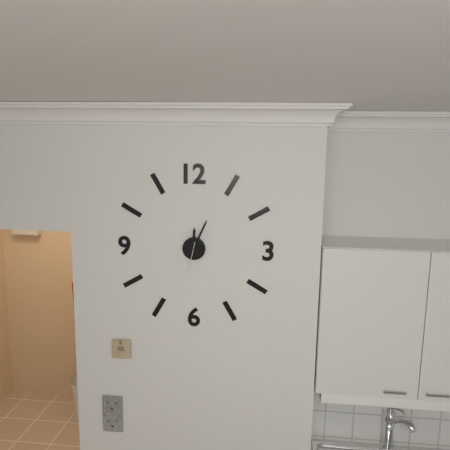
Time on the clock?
12:04
